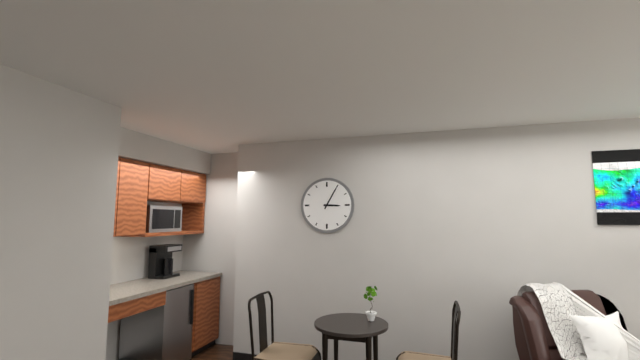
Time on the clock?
3:05
